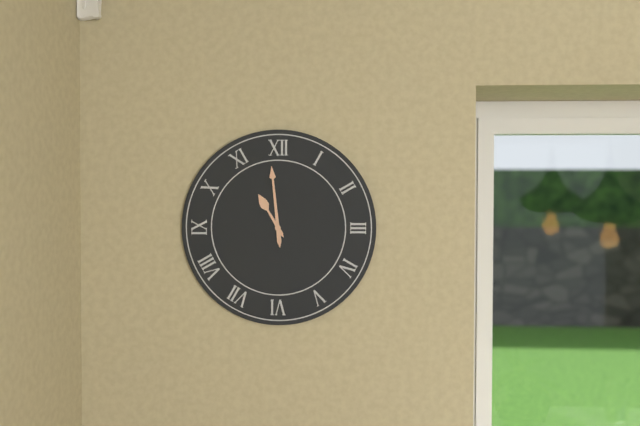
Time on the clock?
10:59
